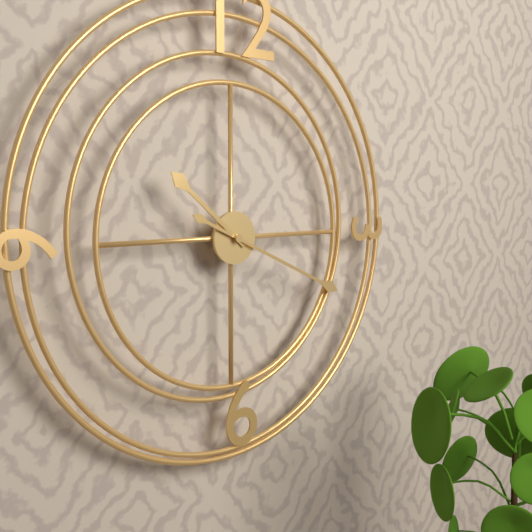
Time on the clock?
10:19
